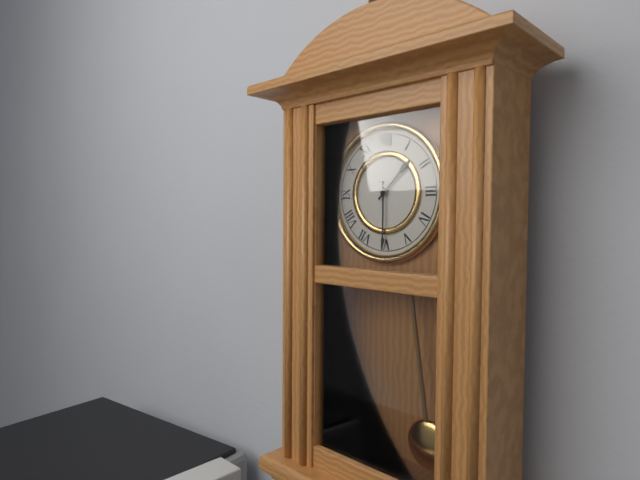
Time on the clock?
1:30
